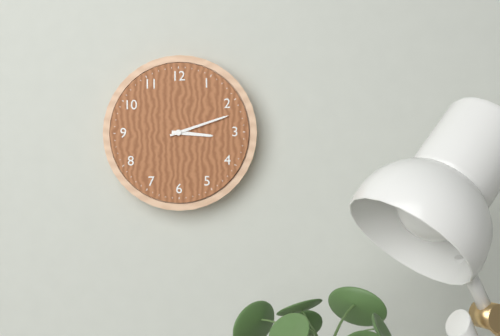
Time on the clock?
3:12
